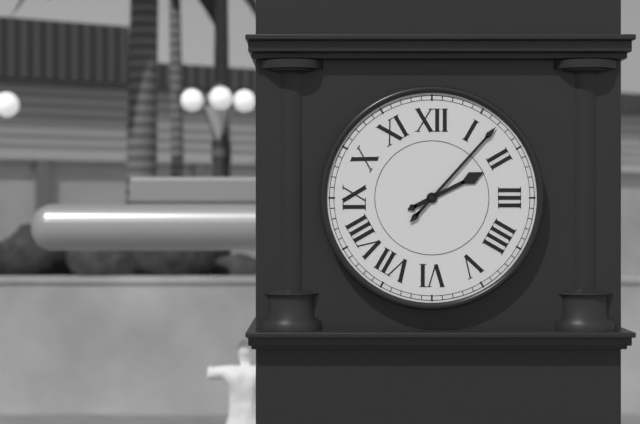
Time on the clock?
2:07
